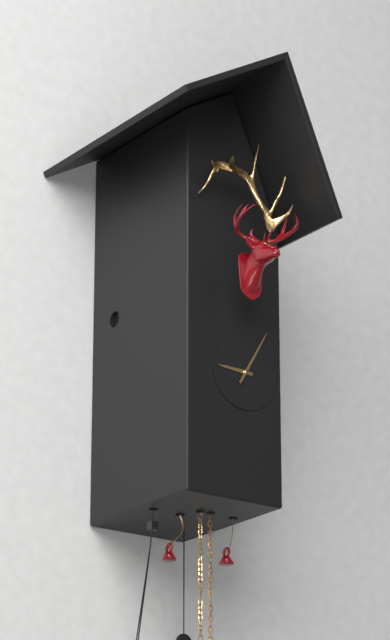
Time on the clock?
9:05
